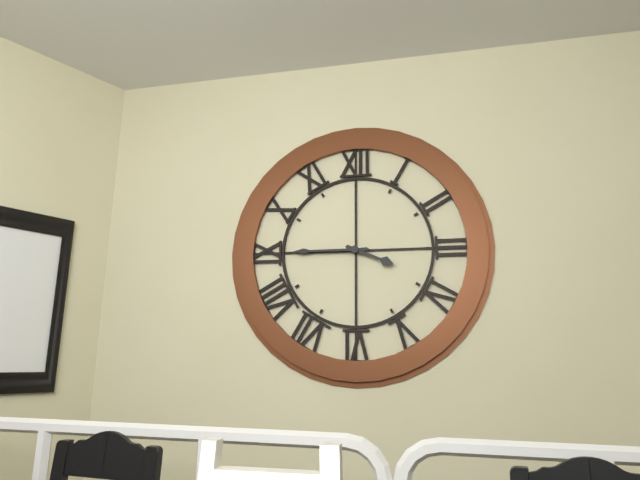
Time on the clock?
3:45
